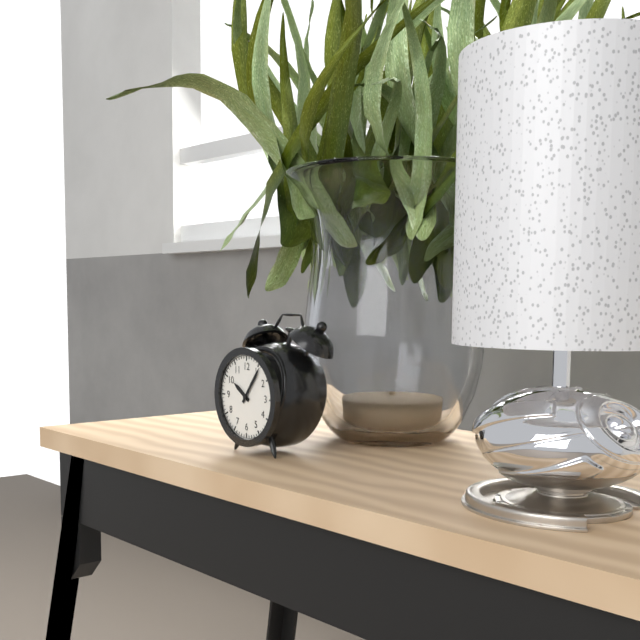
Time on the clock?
10:06
